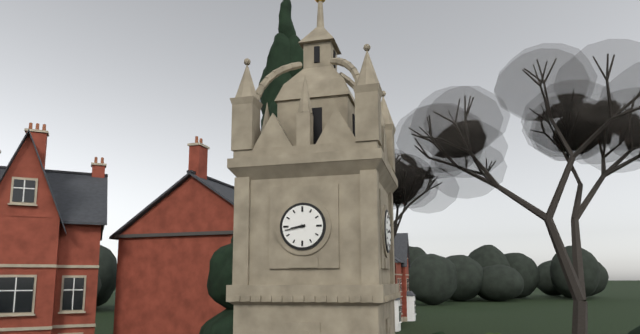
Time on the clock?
8:43
